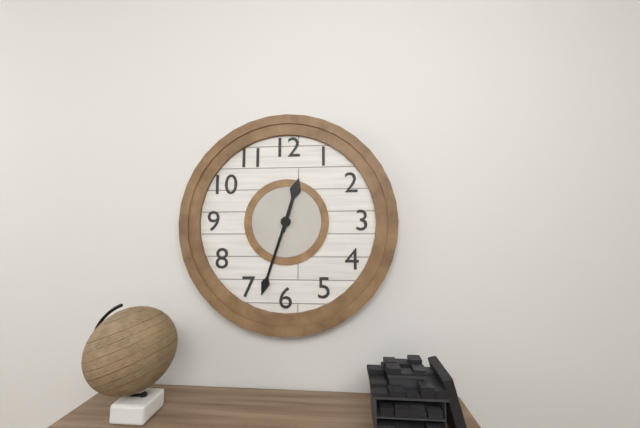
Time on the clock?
12:33
